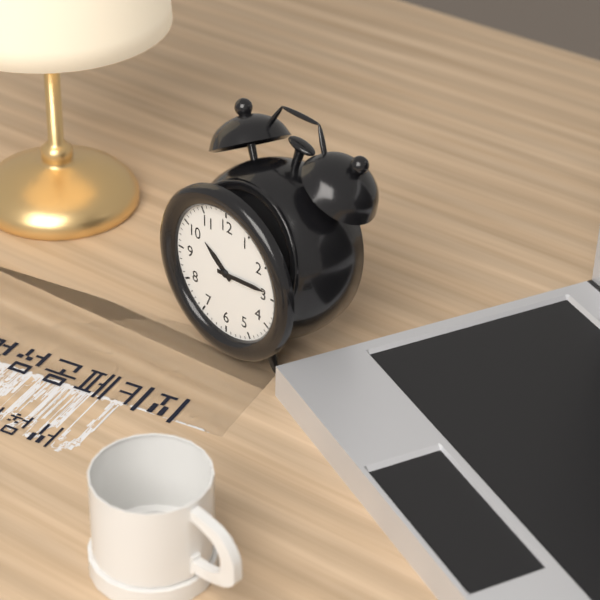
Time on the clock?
10:14
